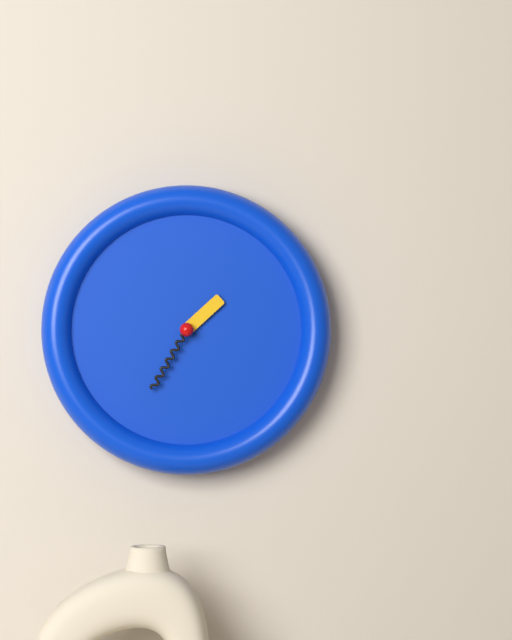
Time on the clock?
1:35
